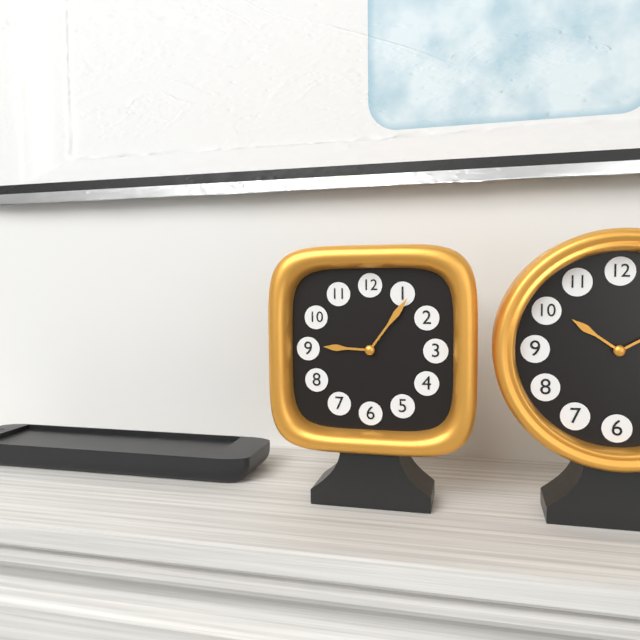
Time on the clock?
9:06
